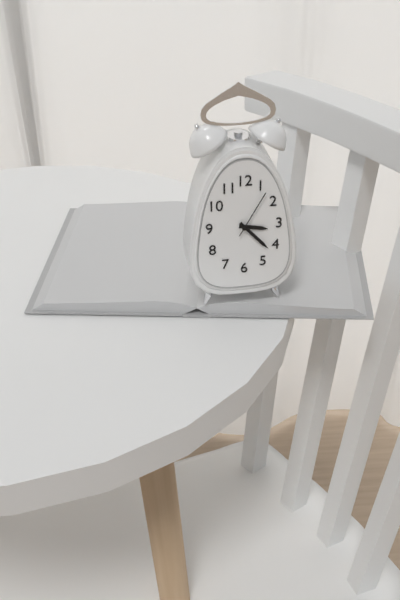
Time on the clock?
3:23:05
